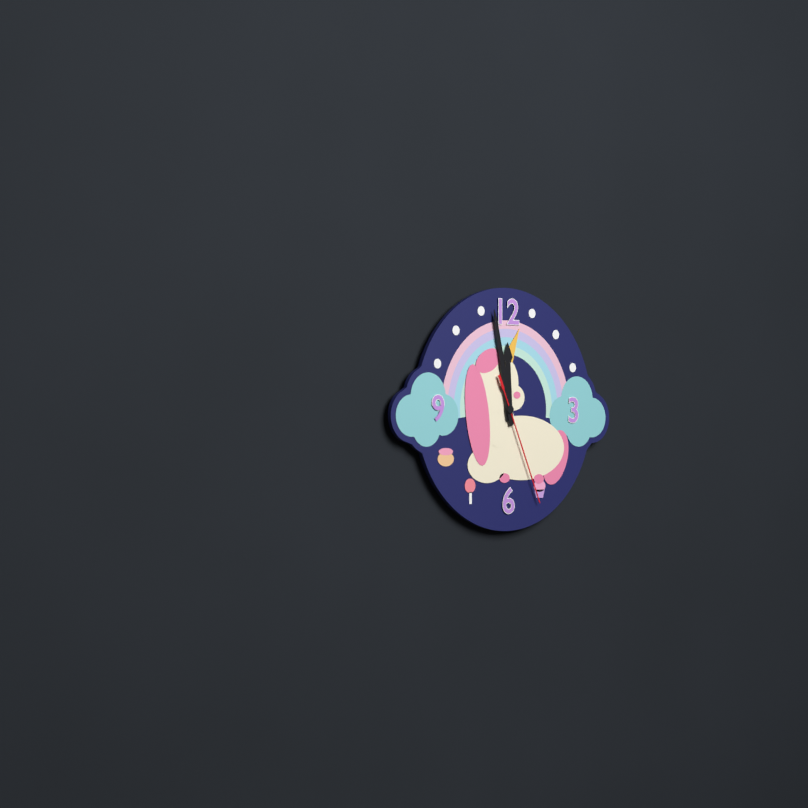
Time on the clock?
11:58:26
